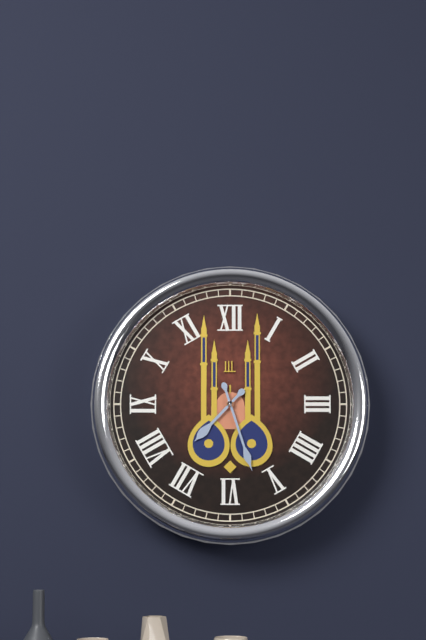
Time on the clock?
7:27
